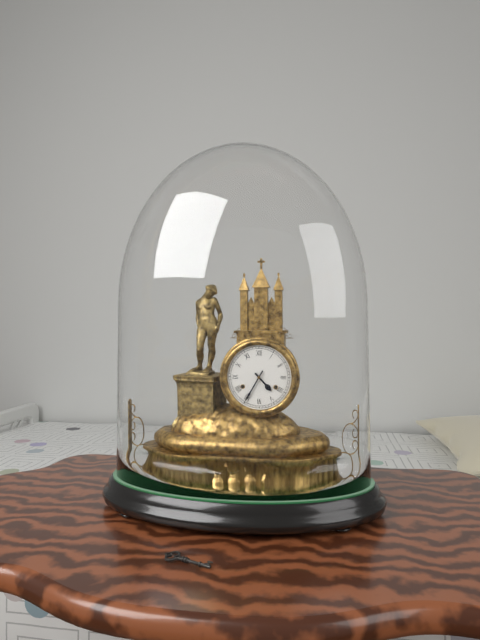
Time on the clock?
4:35
